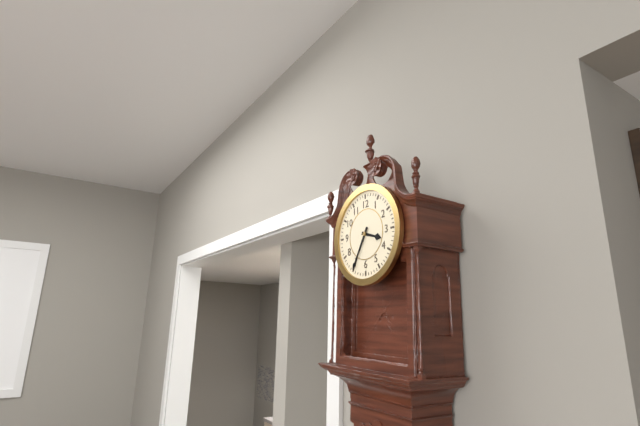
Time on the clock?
3:35
